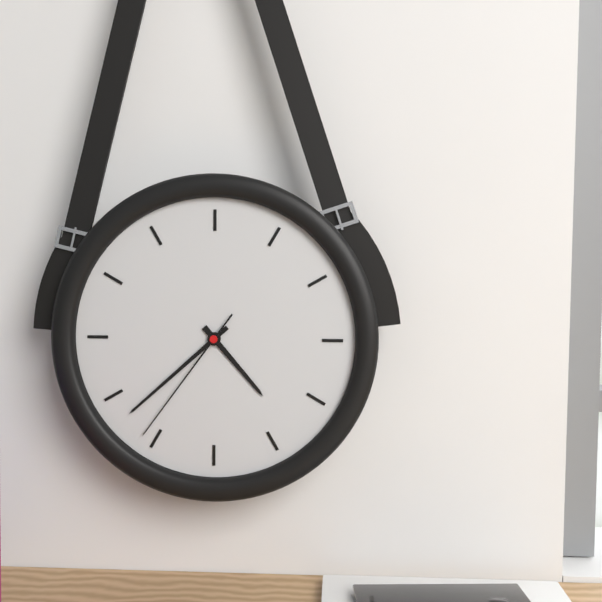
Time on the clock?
4:38:36
